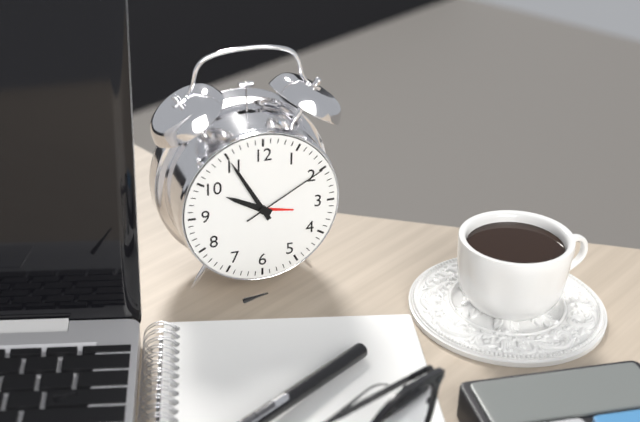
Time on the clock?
9:55:10
